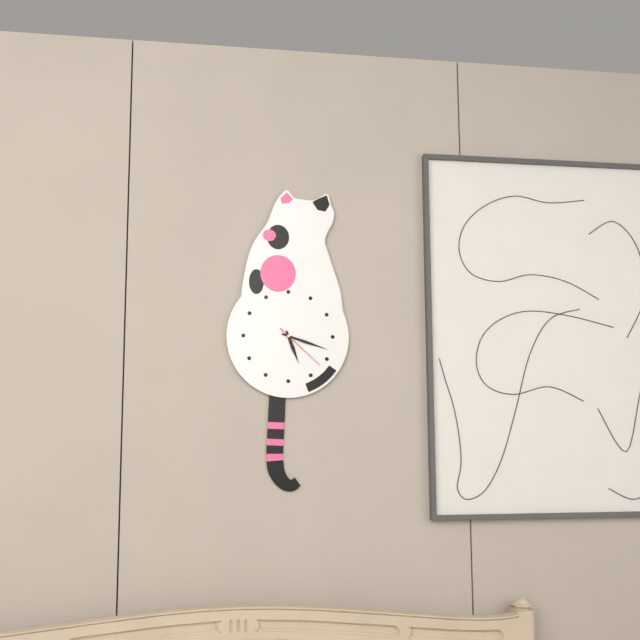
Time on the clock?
5:18:22
